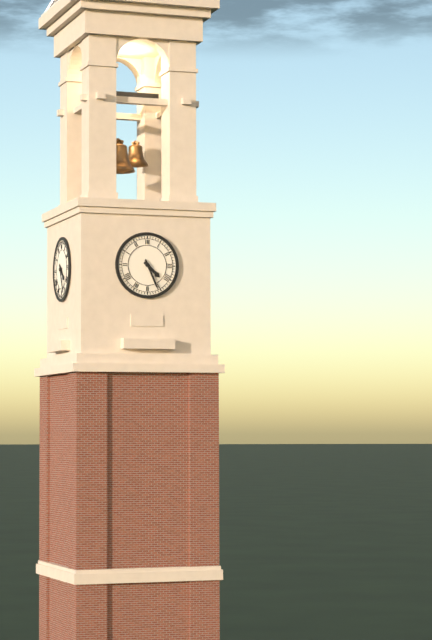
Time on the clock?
4:26
